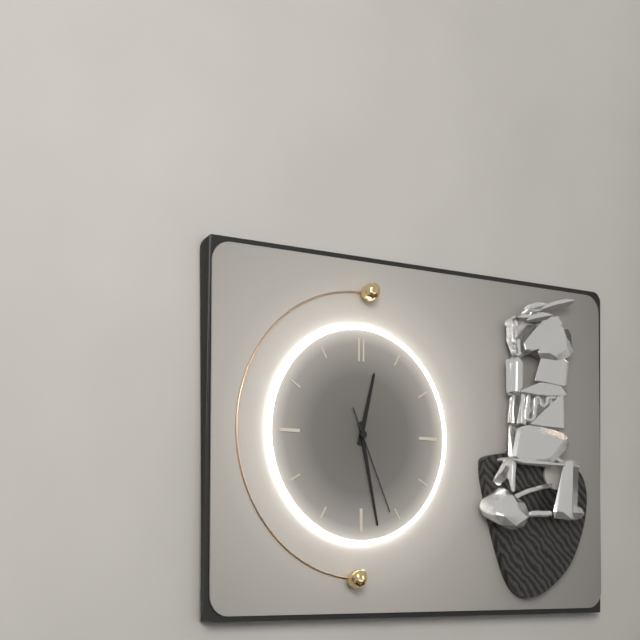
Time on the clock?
12:28:26
